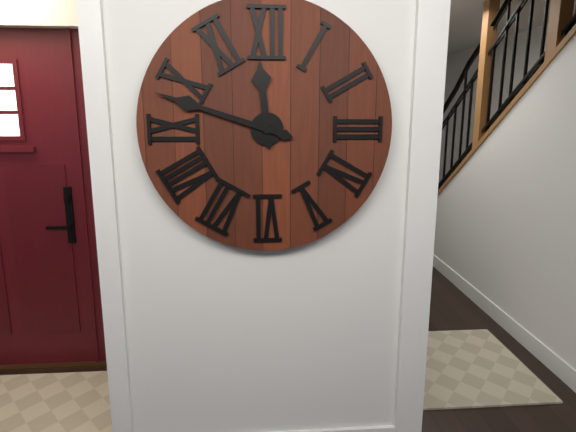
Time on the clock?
11:48
